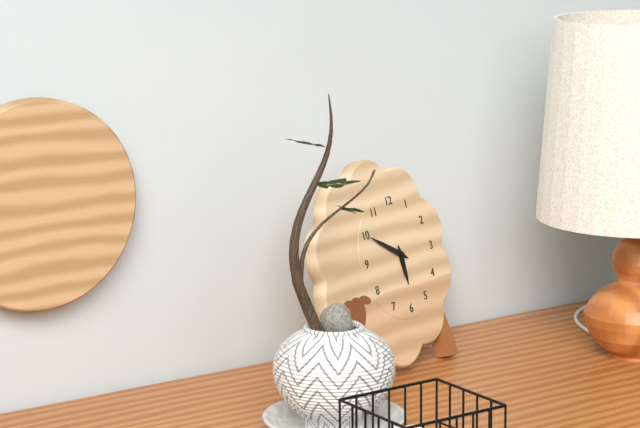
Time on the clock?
5:50
